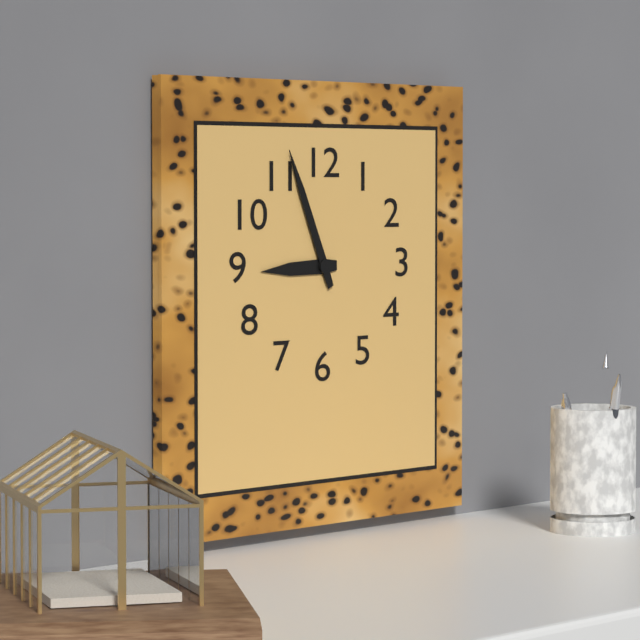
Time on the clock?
8:56
